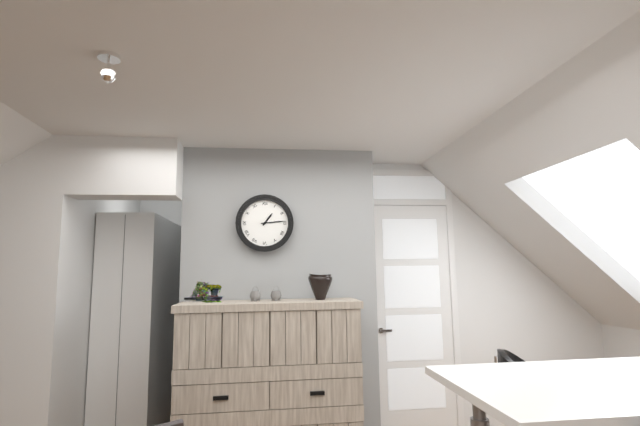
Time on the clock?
1:14
